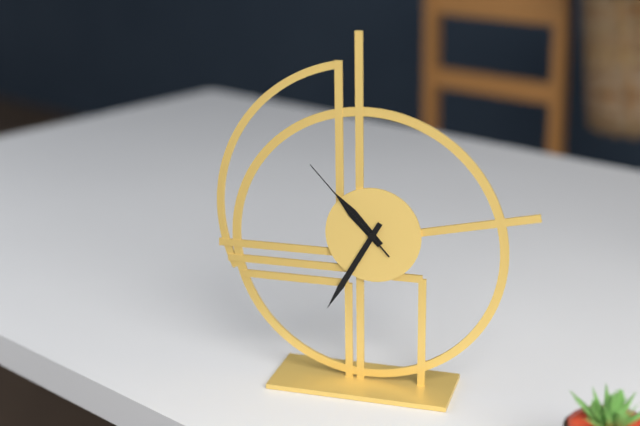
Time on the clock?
10:35:53
